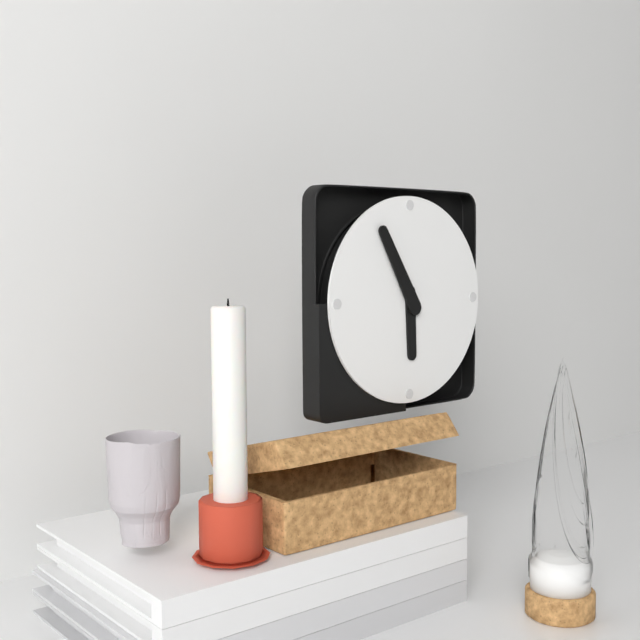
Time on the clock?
5:55
